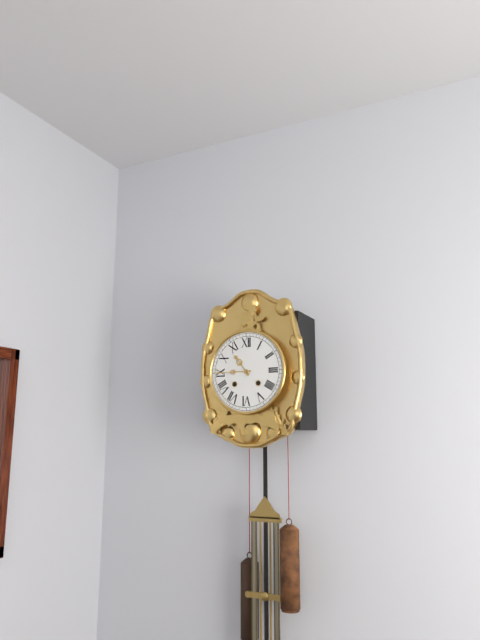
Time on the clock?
10:45
